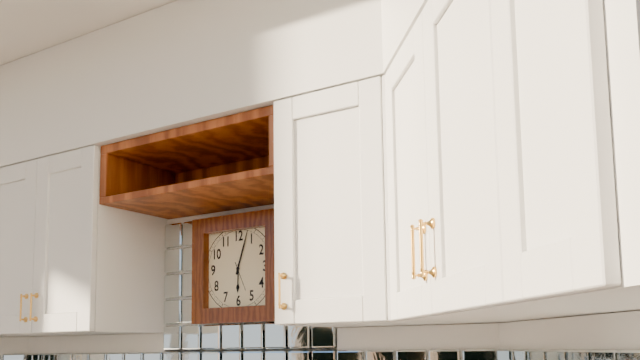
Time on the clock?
6:03
